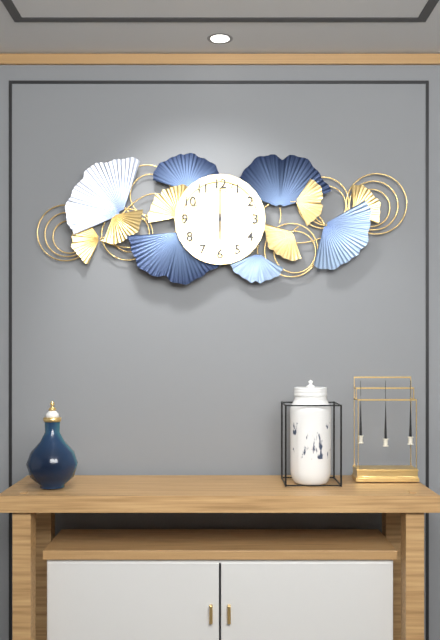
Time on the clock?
6:00
